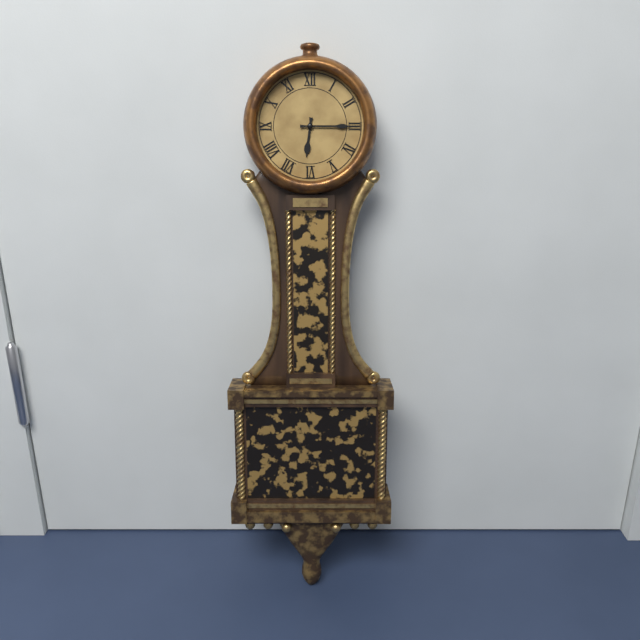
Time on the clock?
6:15
